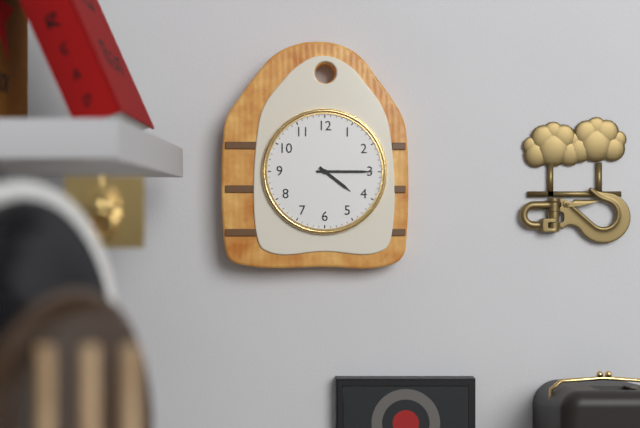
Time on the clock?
4:15
